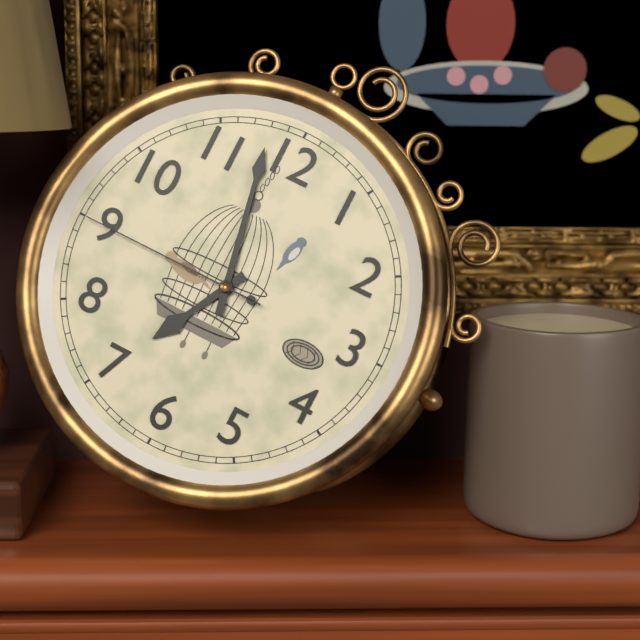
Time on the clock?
6:58:45
